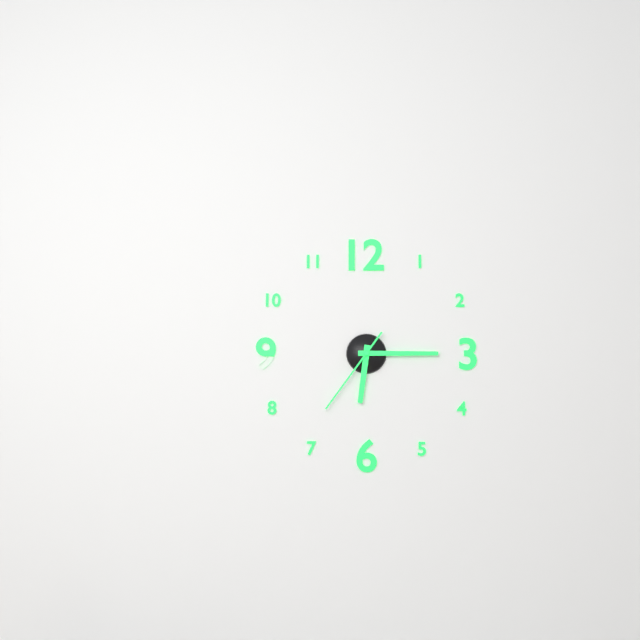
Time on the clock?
6:15:36
